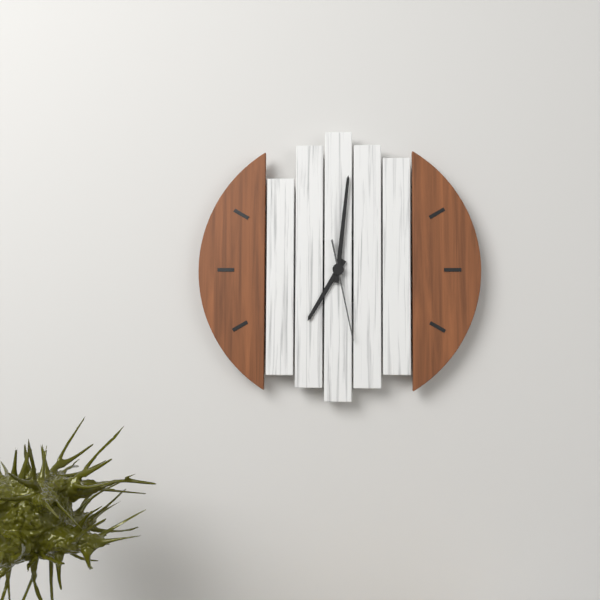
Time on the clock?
7:01:28
